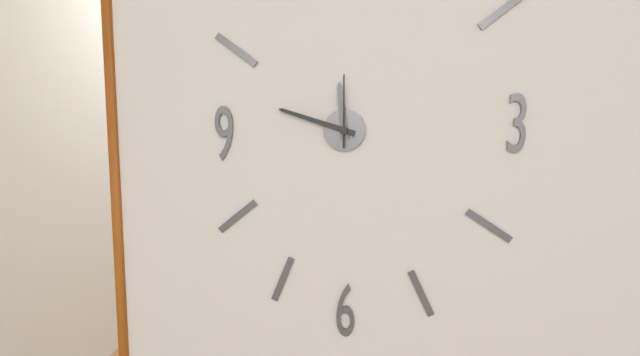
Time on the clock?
11:48:00
